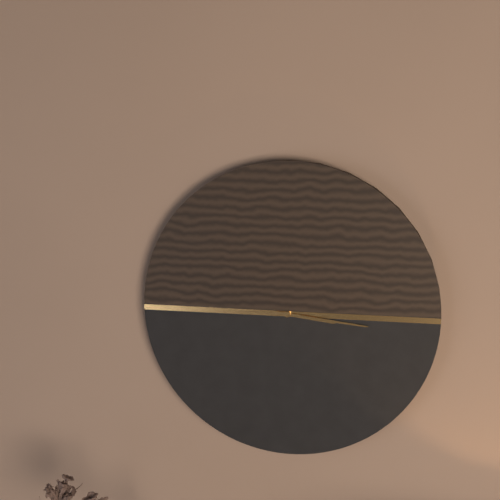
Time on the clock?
3:16
